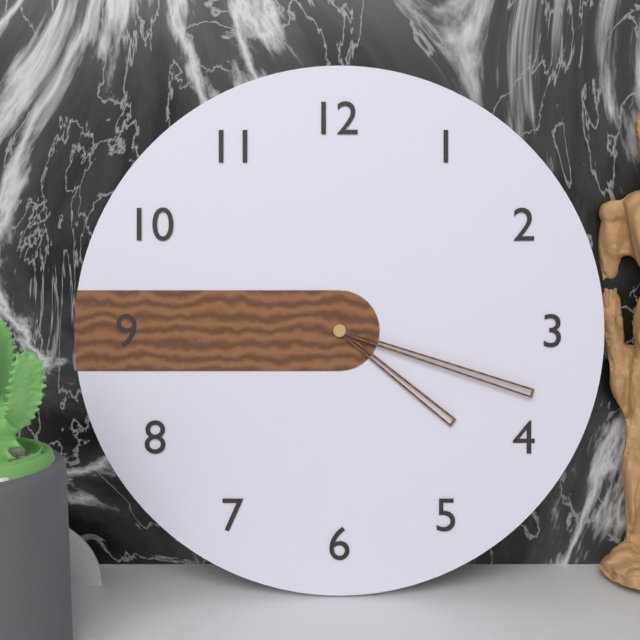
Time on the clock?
4:18
